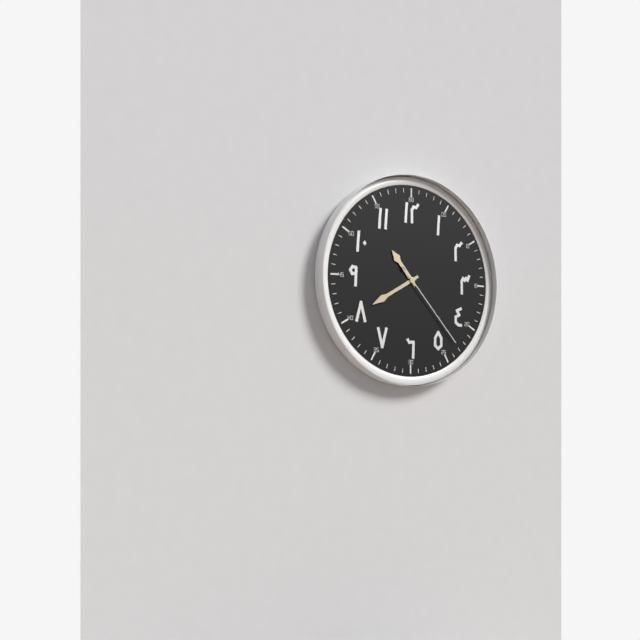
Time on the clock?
10:40:23
